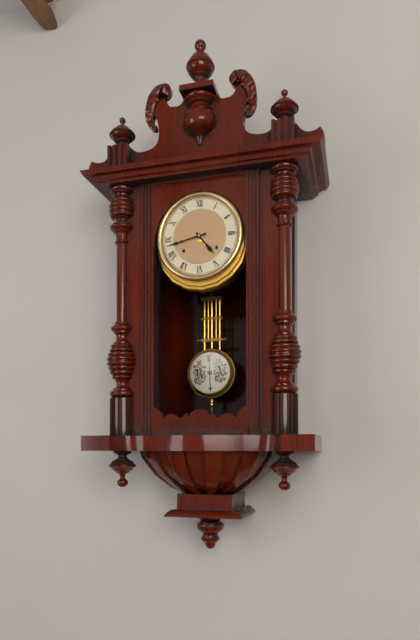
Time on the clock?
4:43
